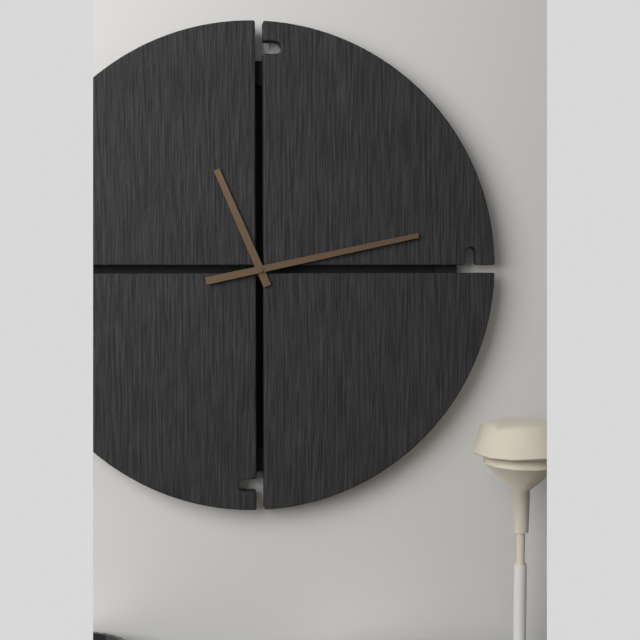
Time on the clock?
11:13
